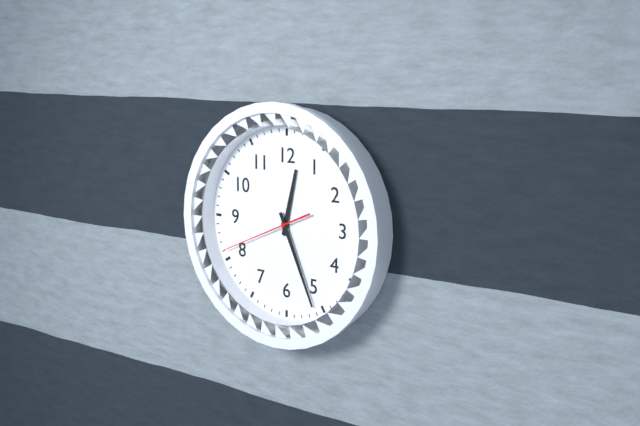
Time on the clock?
12:26:41
